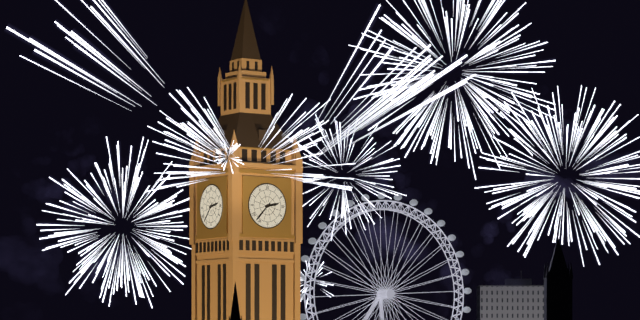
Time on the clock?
2:37
